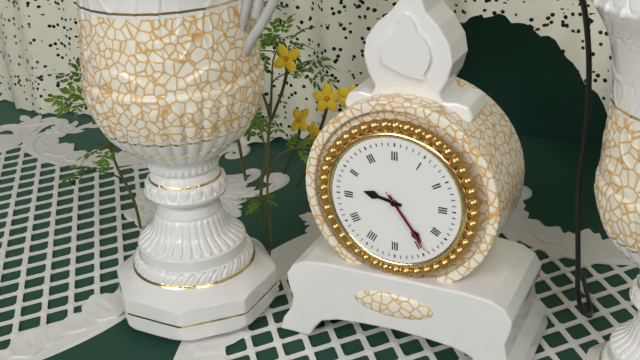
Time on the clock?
9:24:24
